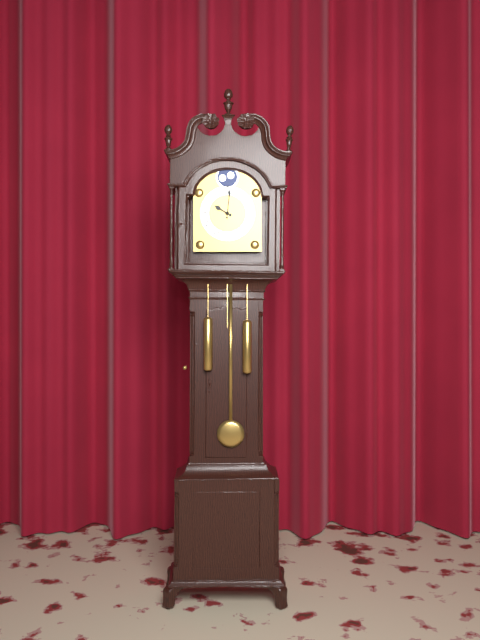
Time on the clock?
10:01
